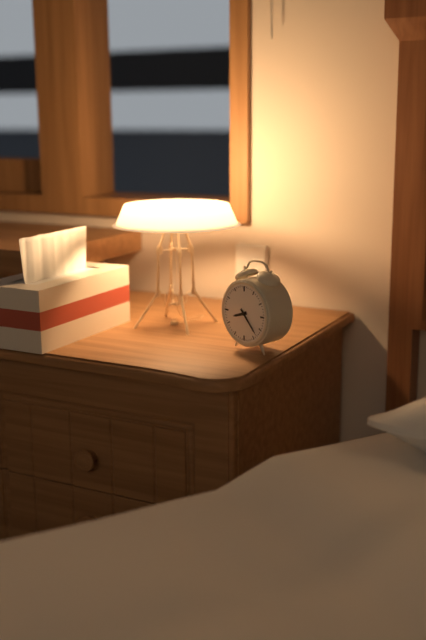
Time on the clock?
8:23
